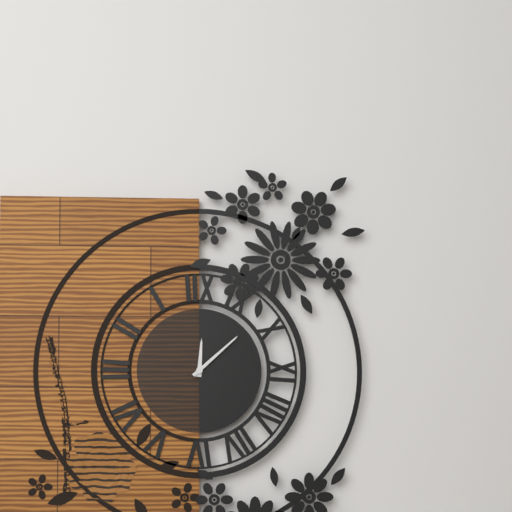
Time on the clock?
12:08
